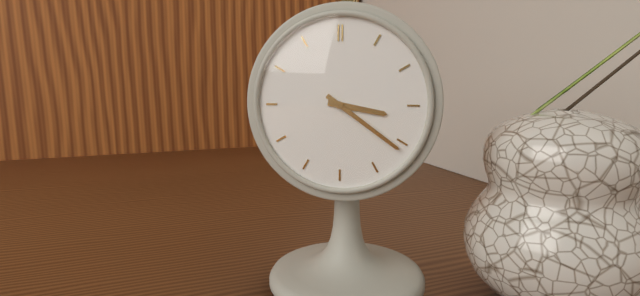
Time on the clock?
3:21
